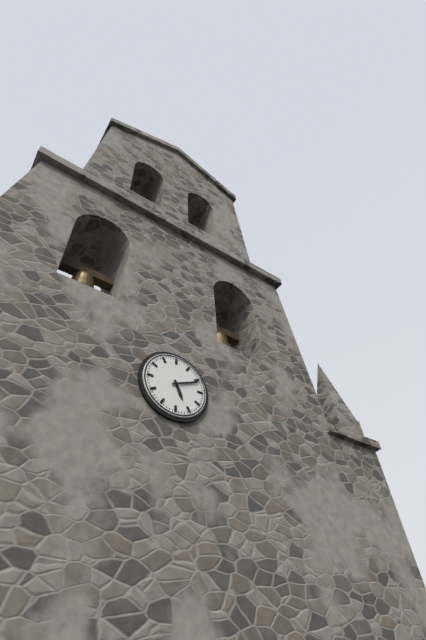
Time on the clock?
5:11
